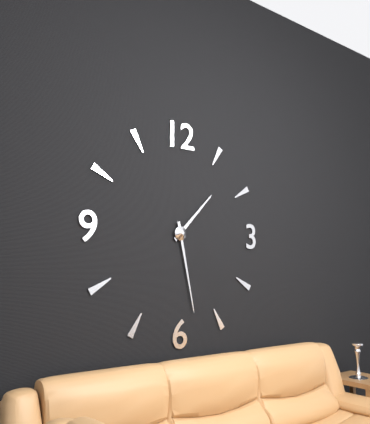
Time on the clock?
1:28
